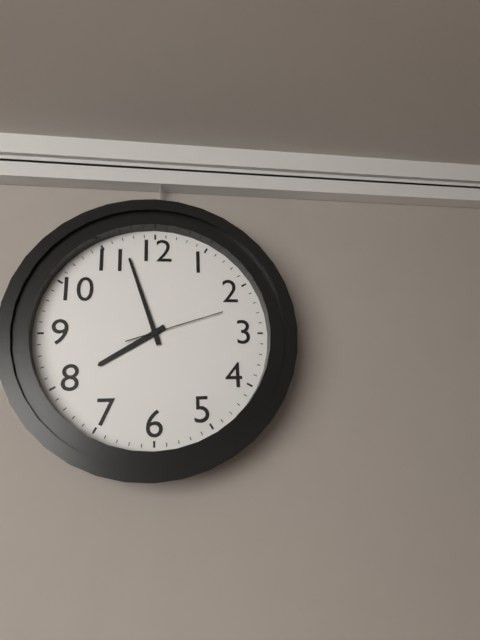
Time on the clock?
7:57:12
